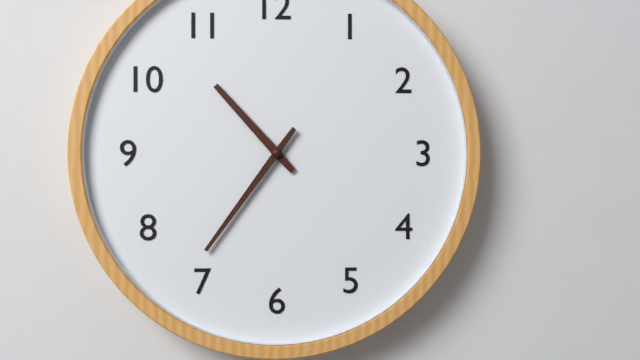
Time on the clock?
10:36
